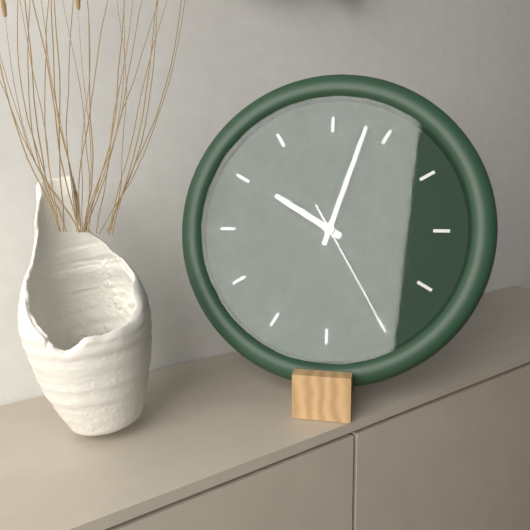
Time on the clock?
10:03:25
